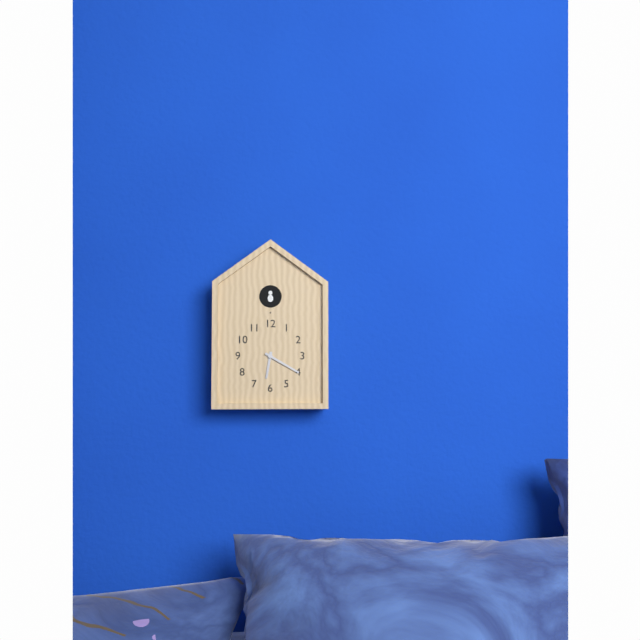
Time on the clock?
6:20
